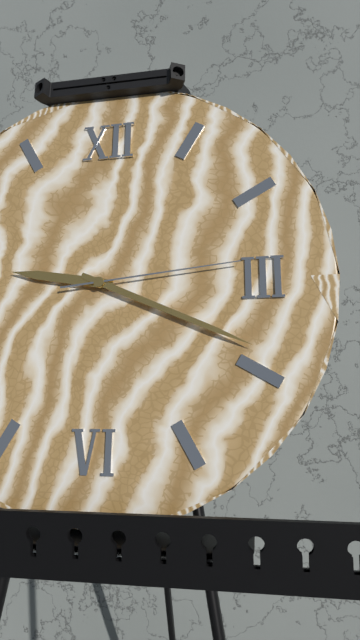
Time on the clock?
9:19:14
